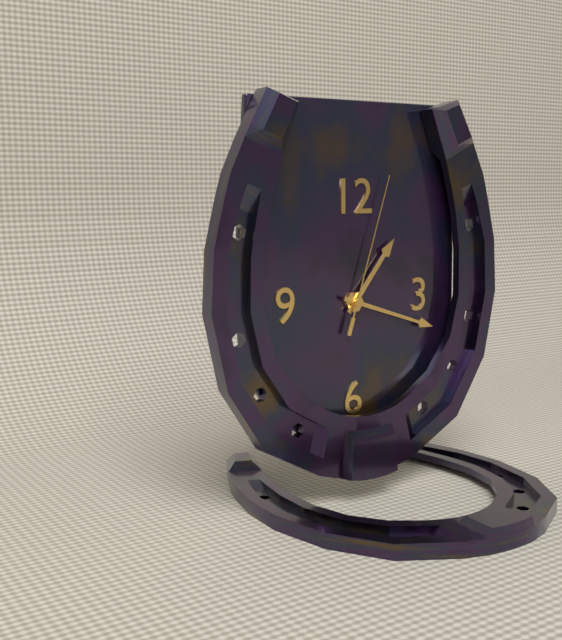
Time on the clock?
1:18:03
